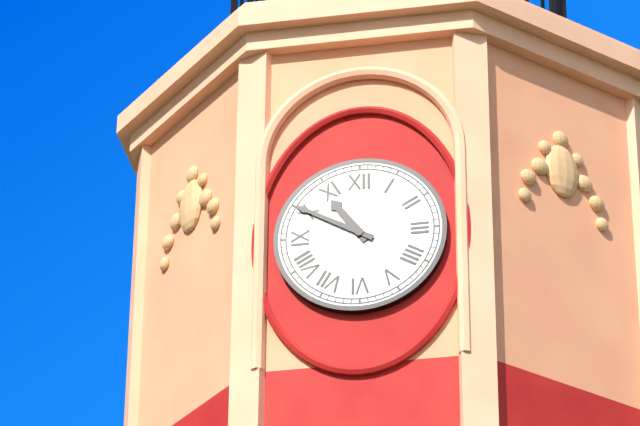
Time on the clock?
10:50
